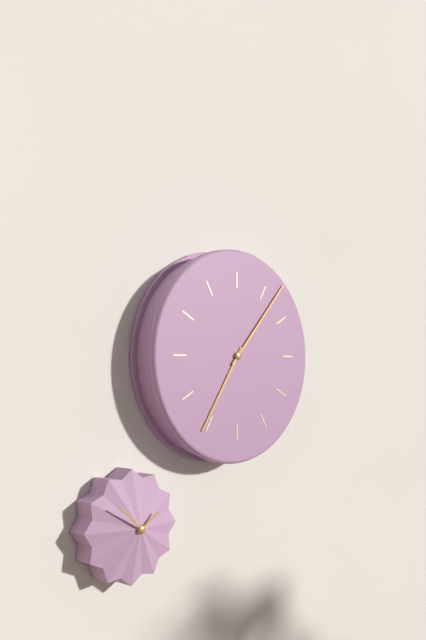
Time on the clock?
7:07
